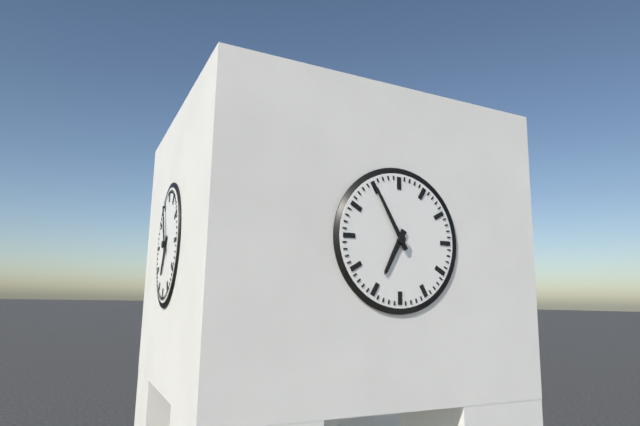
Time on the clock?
6:55
